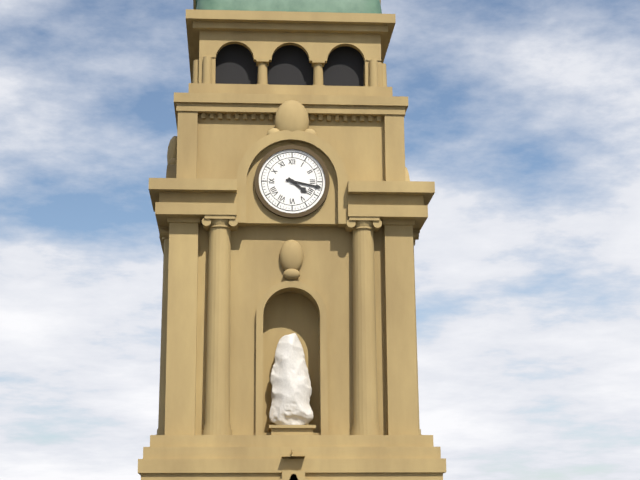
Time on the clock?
4:17
